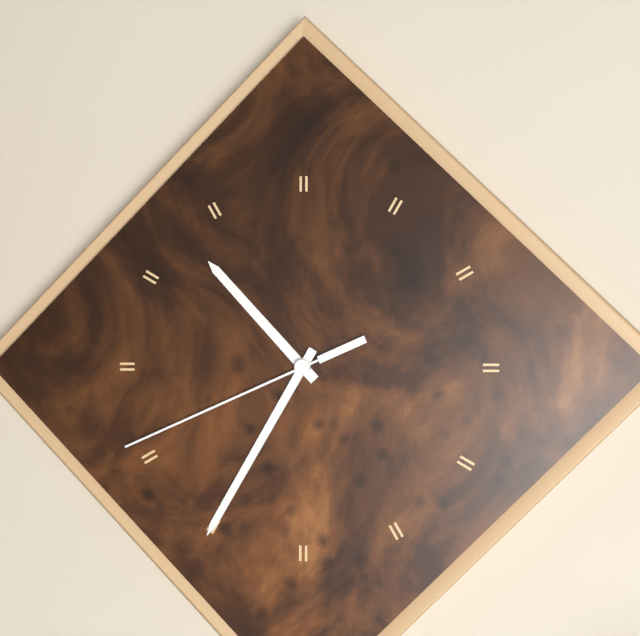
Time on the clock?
10:35:41
